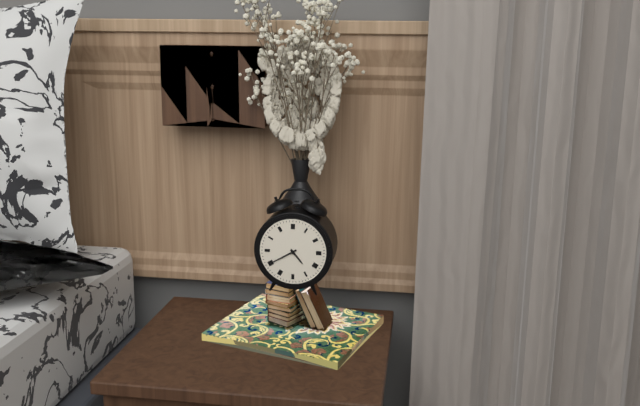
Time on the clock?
4:40
